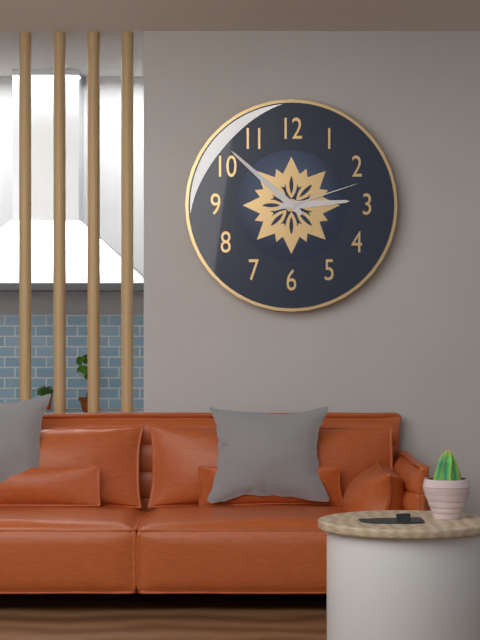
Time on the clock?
2:52:12
